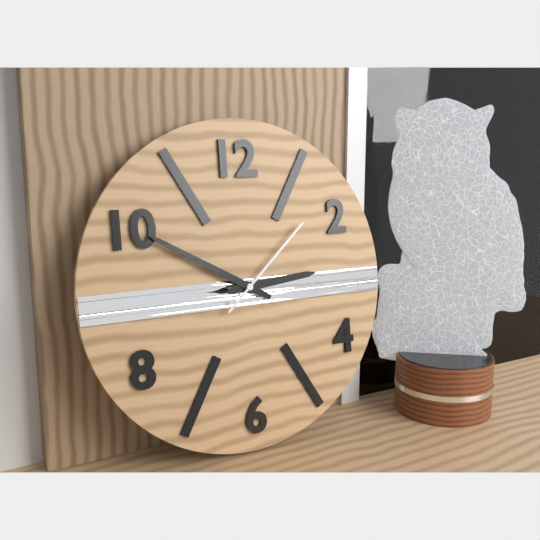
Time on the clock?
2:50:08
